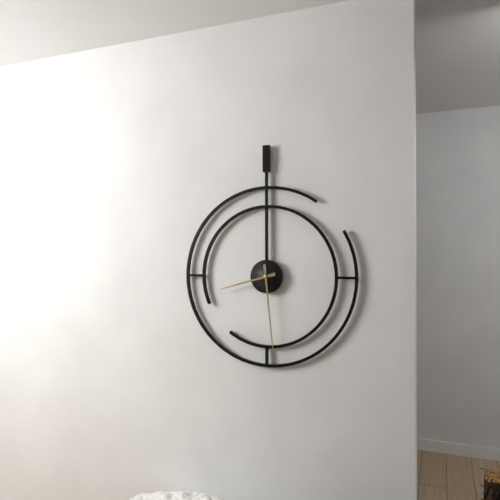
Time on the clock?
8:29
